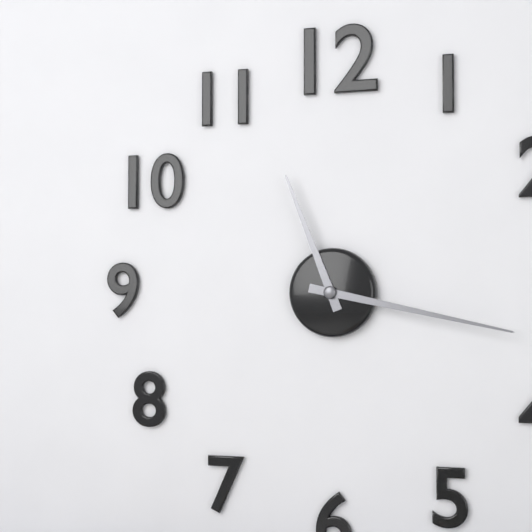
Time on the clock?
11:17
